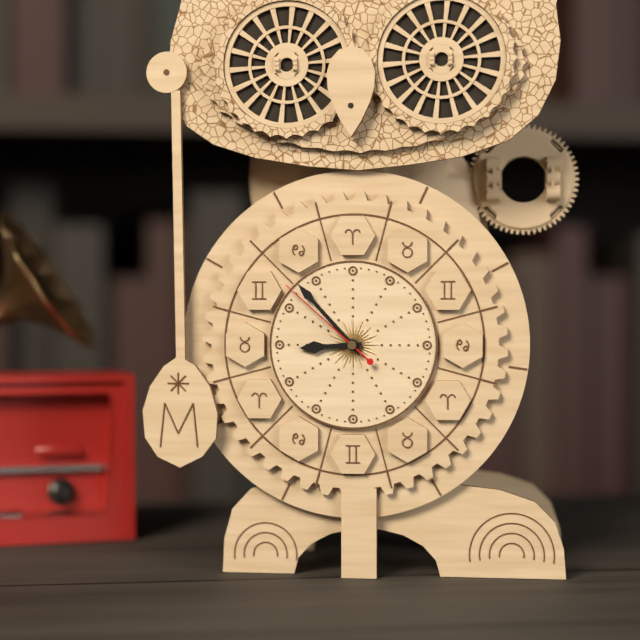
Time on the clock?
8:53:52
